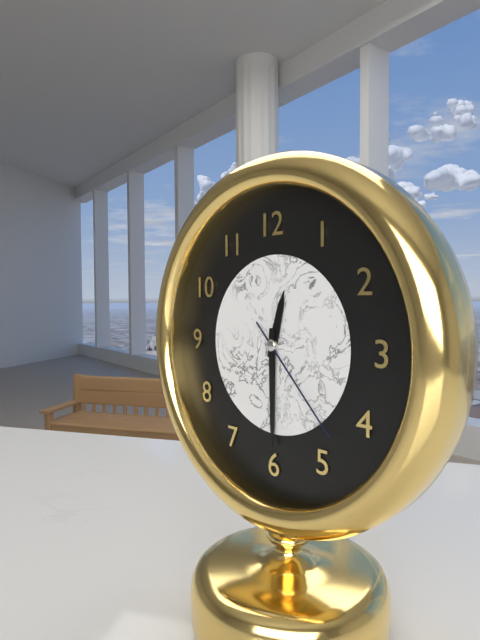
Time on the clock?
12:30:23
